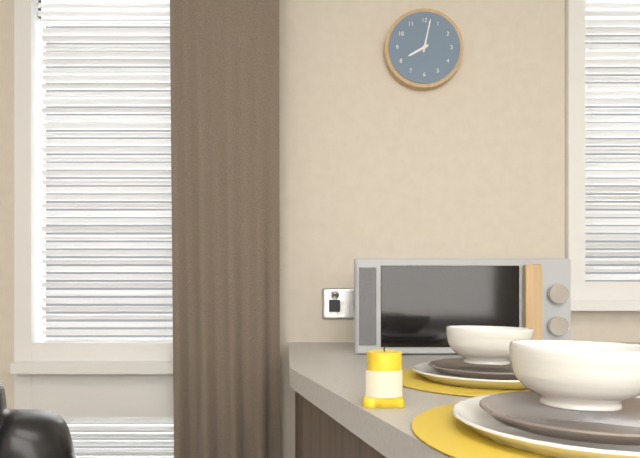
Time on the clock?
8:02
